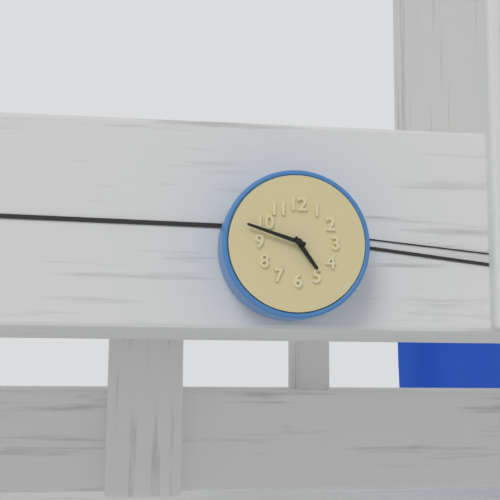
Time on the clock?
4:48
